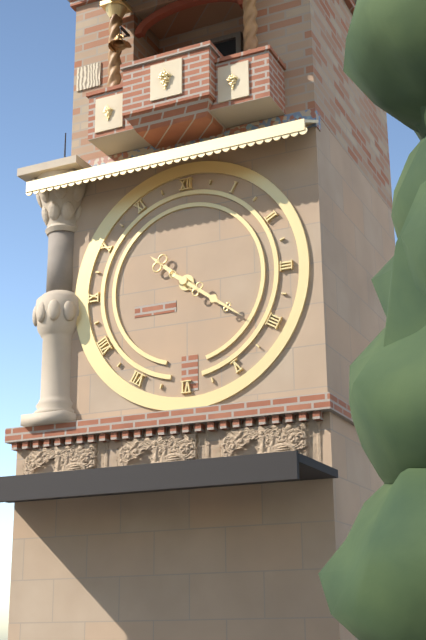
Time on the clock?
10:21
